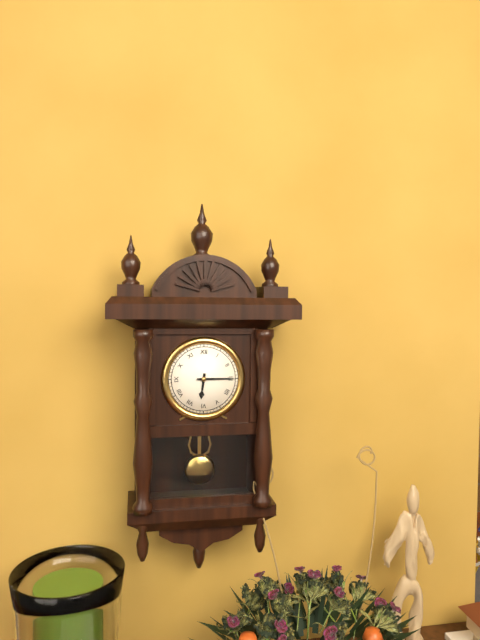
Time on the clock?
6:15
